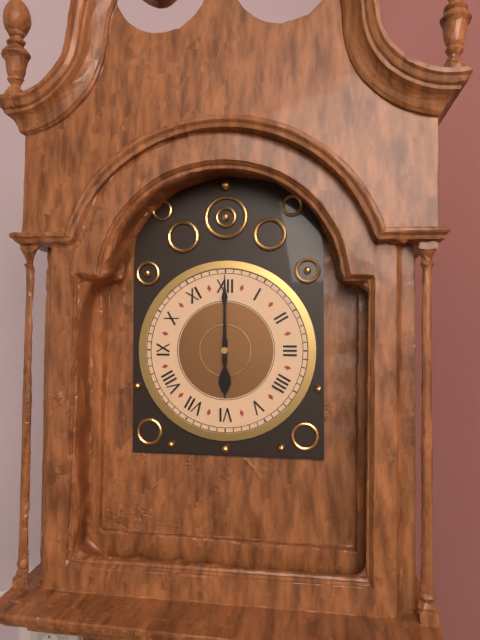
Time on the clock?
6:00
